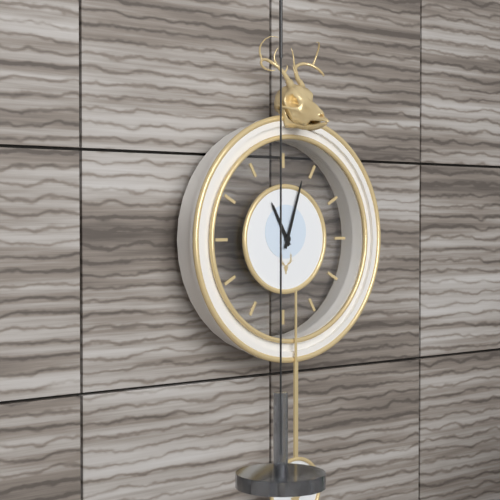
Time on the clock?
11:03
